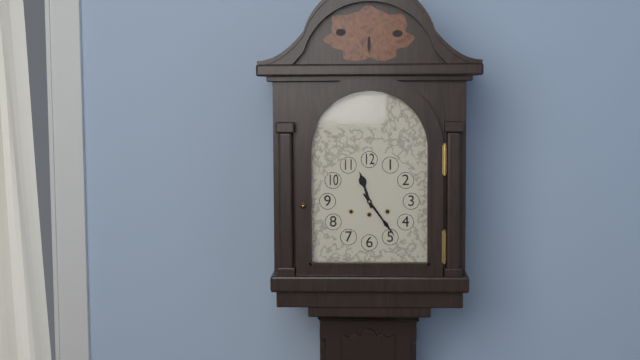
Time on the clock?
11:24
